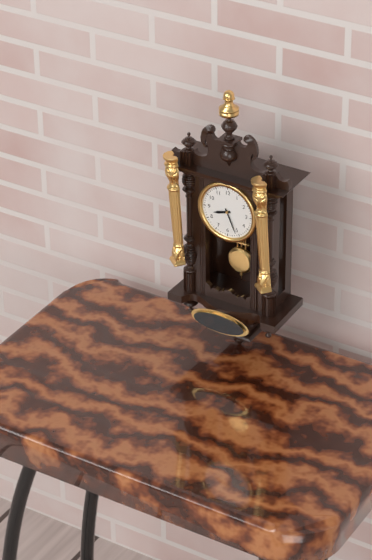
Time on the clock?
8:26
